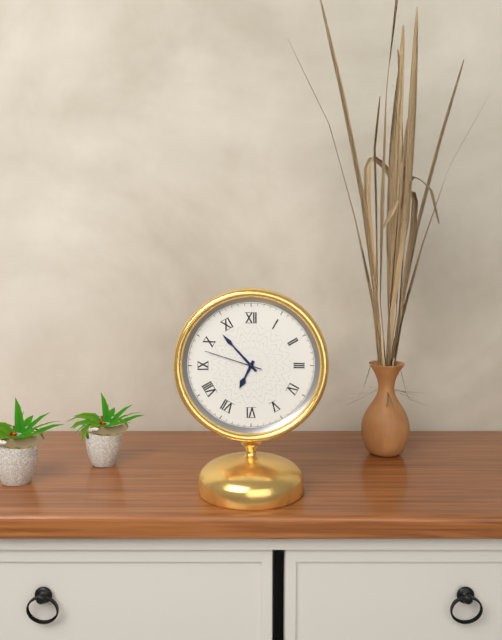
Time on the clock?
6:53:48
